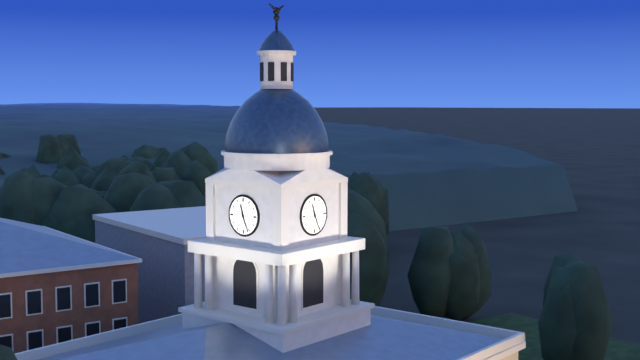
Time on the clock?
11:26
